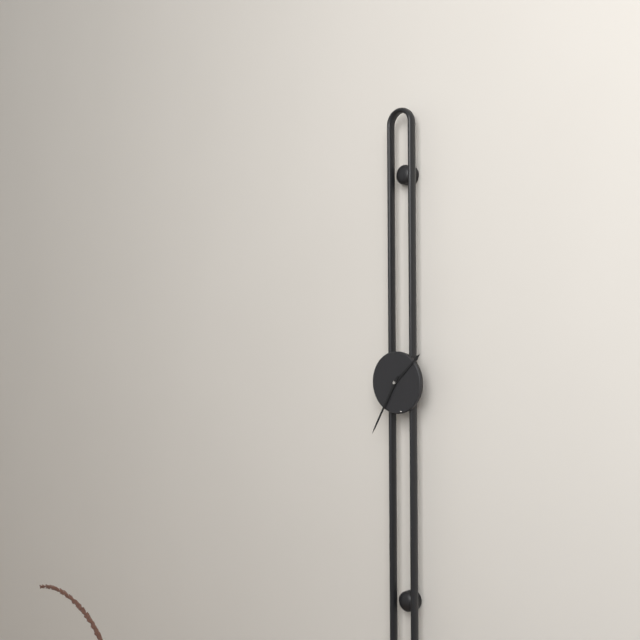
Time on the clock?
1:35
